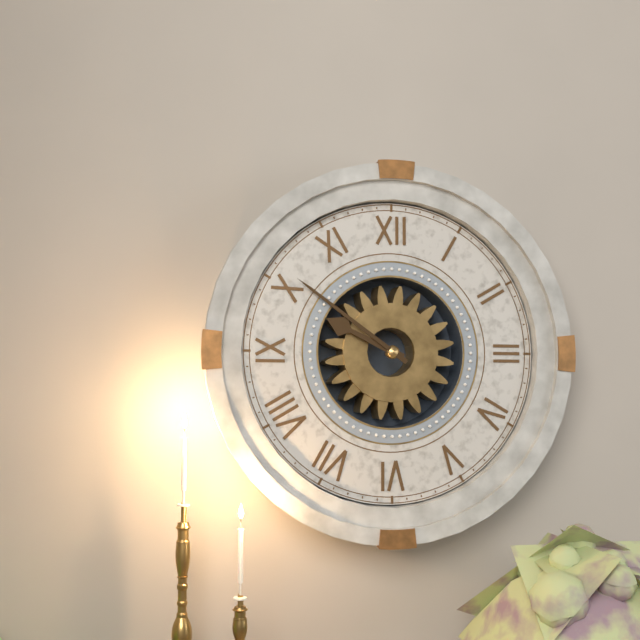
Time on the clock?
9:51
